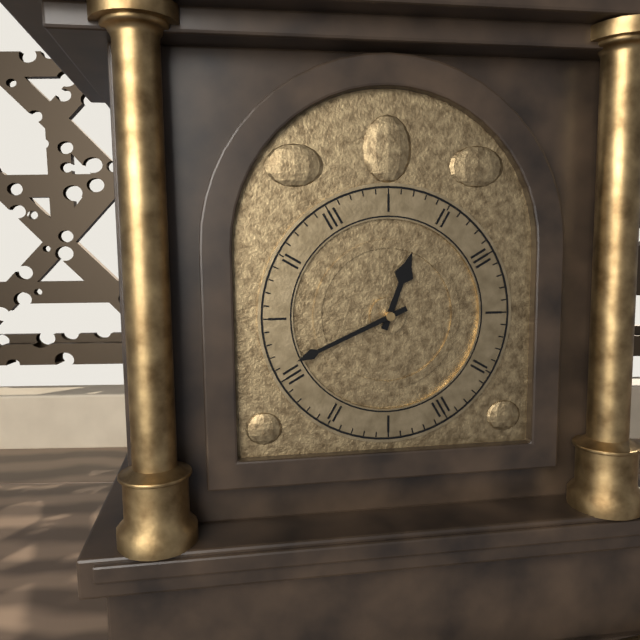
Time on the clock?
12:41
